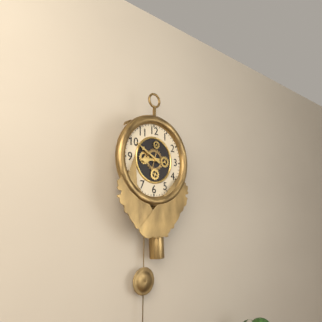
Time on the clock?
8:50
